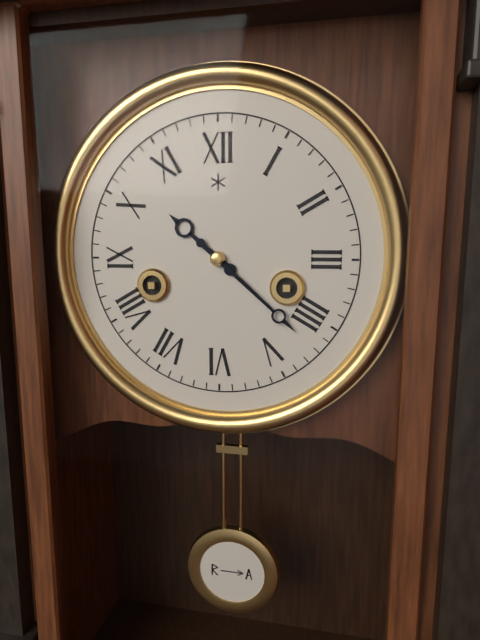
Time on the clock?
10:22
